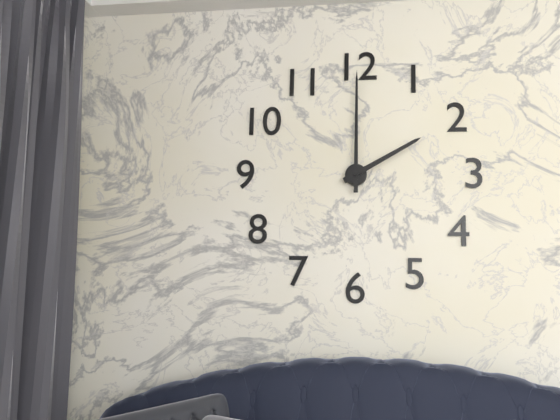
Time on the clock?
2:00
